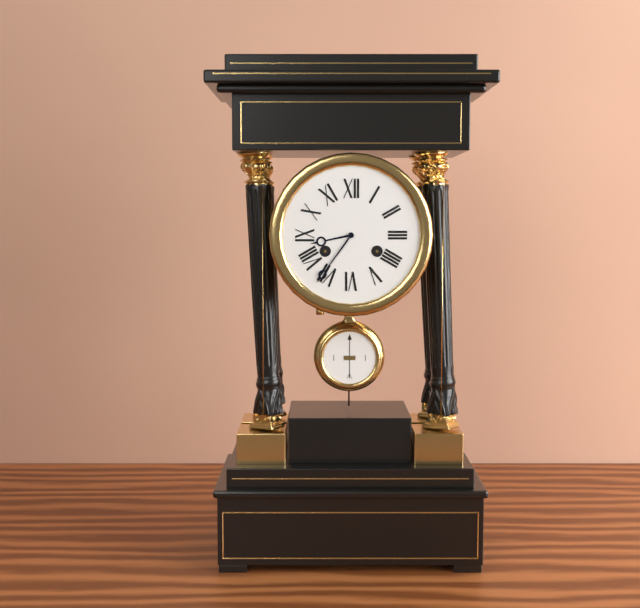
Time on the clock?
8:36
